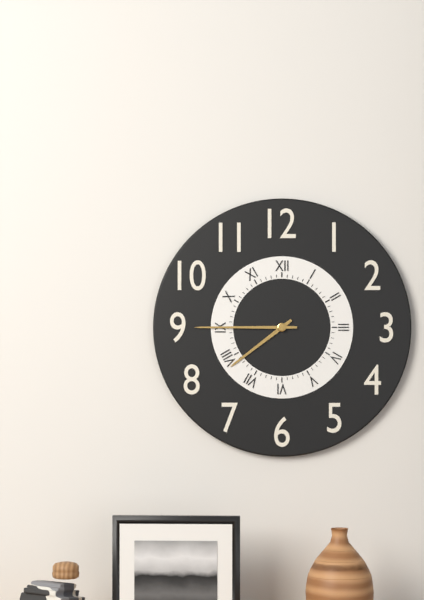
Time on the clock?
7:45
